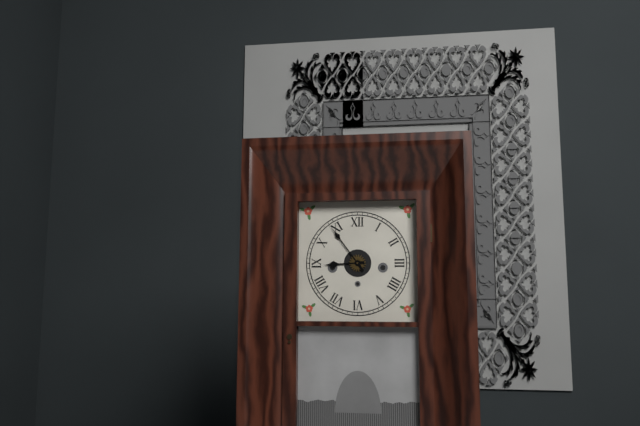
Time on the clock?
8:54
